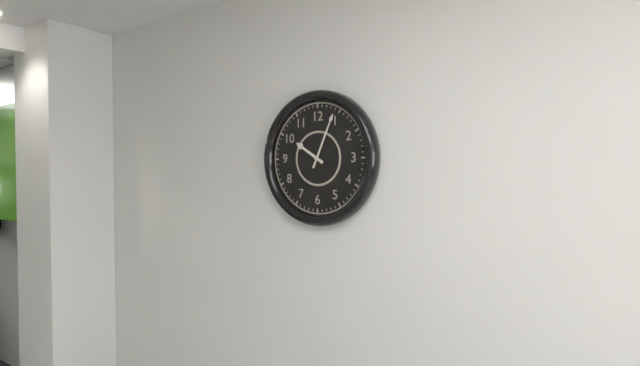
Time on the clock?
10:04
